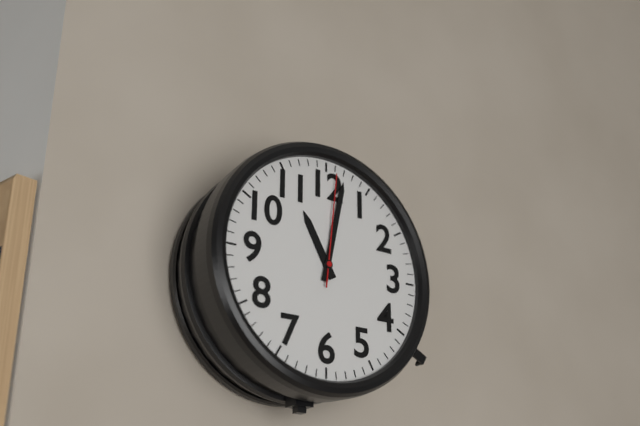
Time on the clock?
11:02:01
